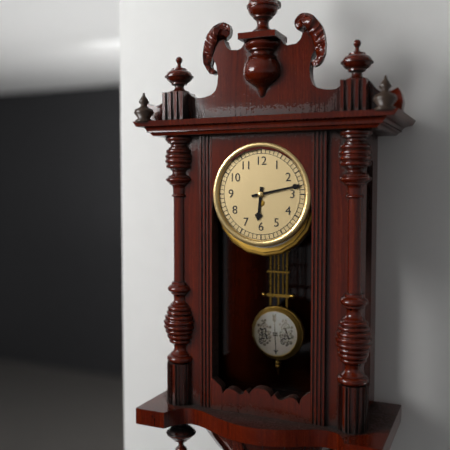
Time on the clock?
6:13
